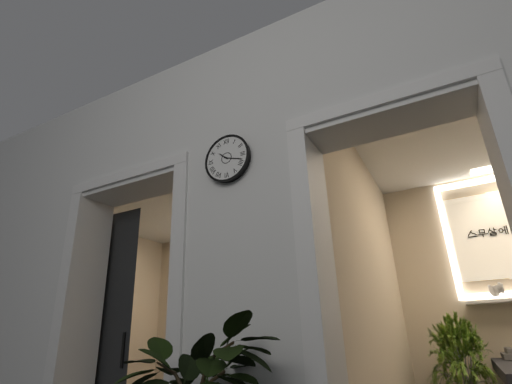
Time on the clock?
10:18
